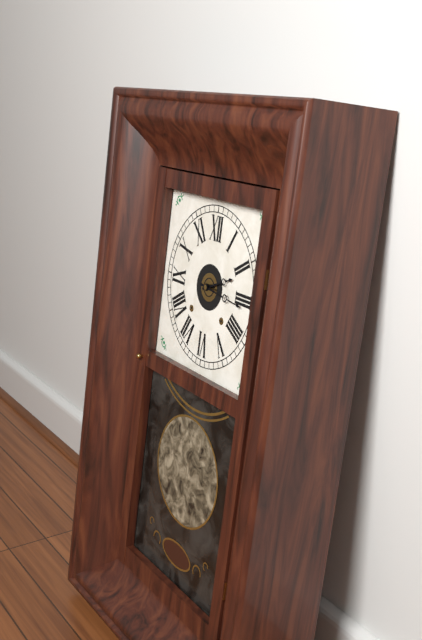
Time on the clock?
2:16
